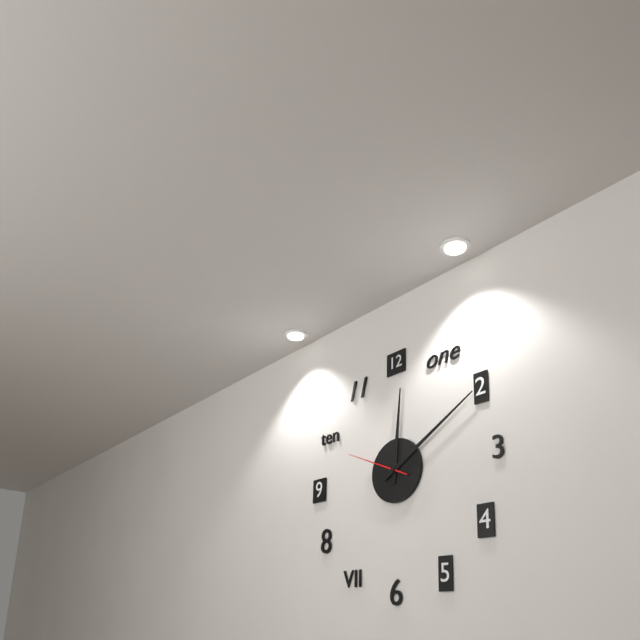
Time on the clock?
12:10:49
